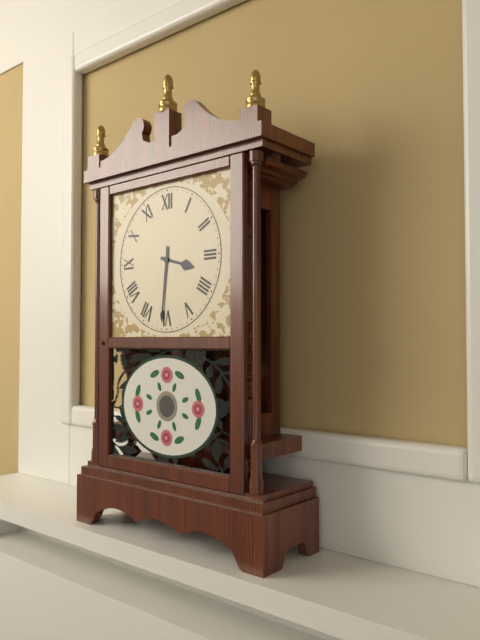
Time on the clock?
3:31
